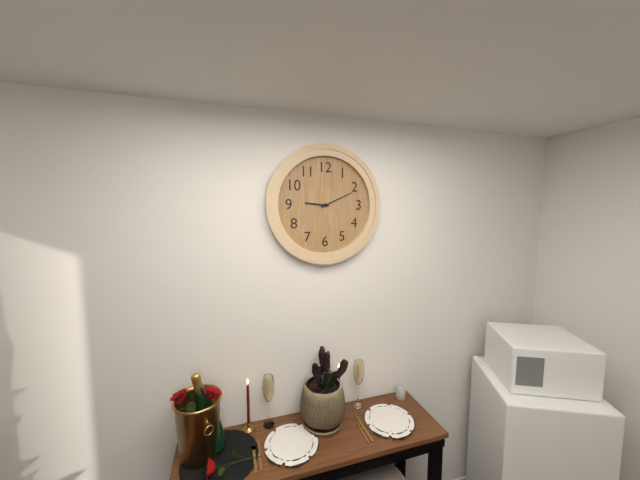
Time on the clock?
9:11
